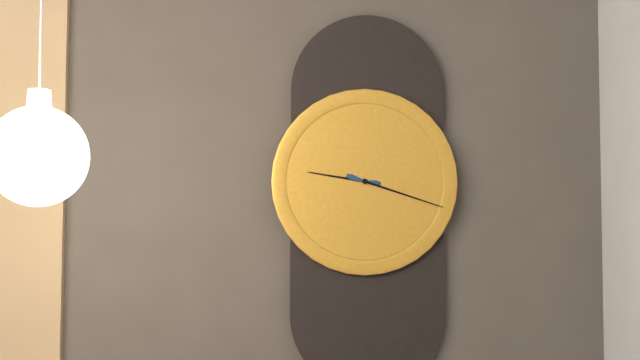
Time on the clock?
9:18
